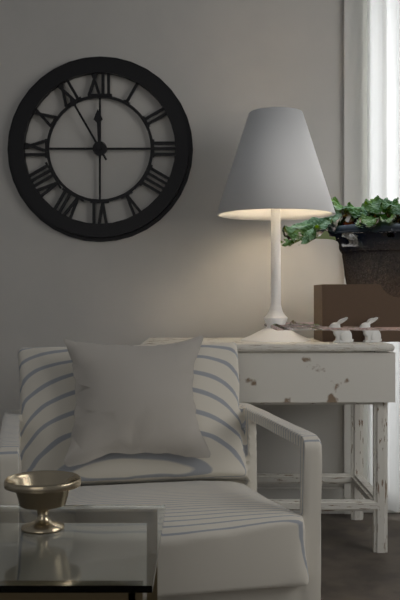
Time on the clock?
11:55
